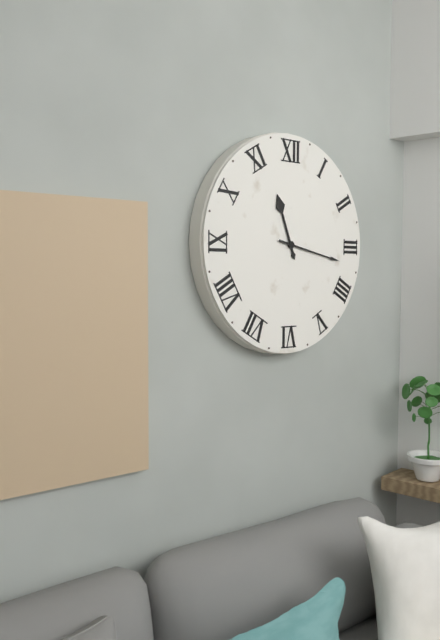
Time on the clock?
11:17
